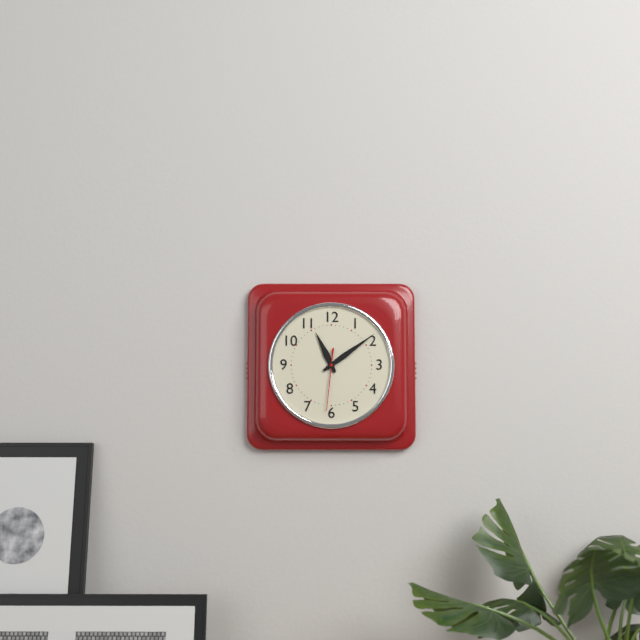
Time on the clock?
11:09:31
